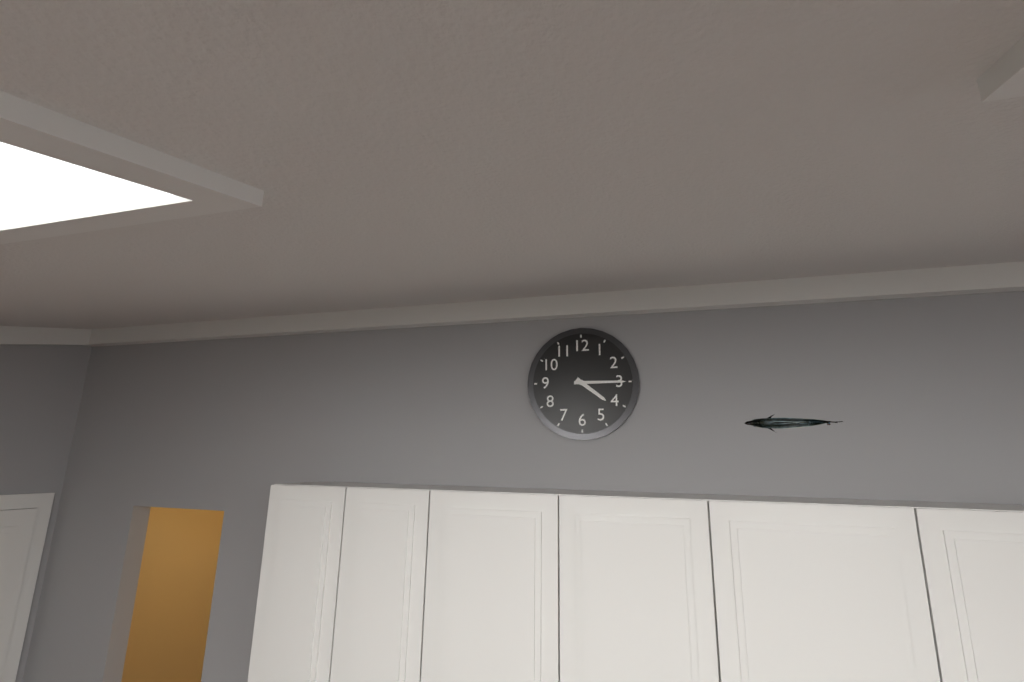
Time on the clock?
4:15
